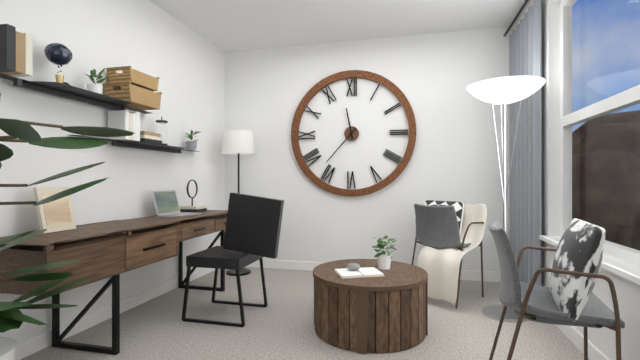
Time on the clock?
11:37
